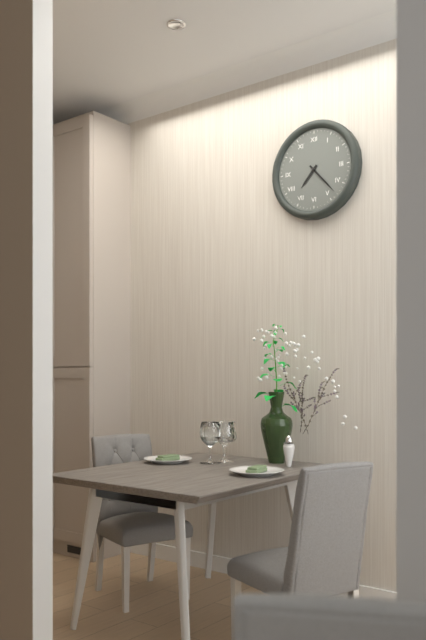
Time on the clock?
7:23
